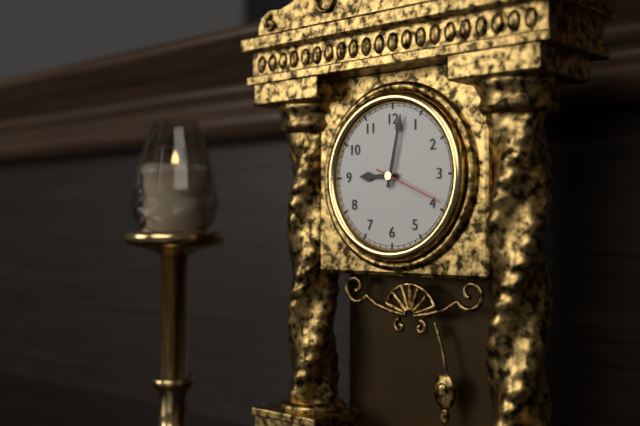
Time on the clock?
9:02:19
